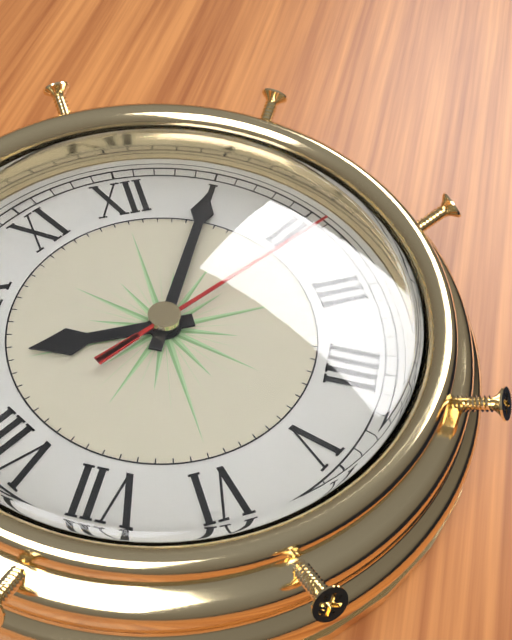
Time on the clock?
9:05:11
